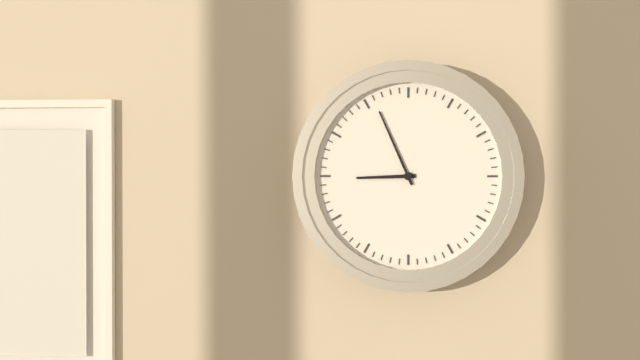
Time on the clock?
8:56
